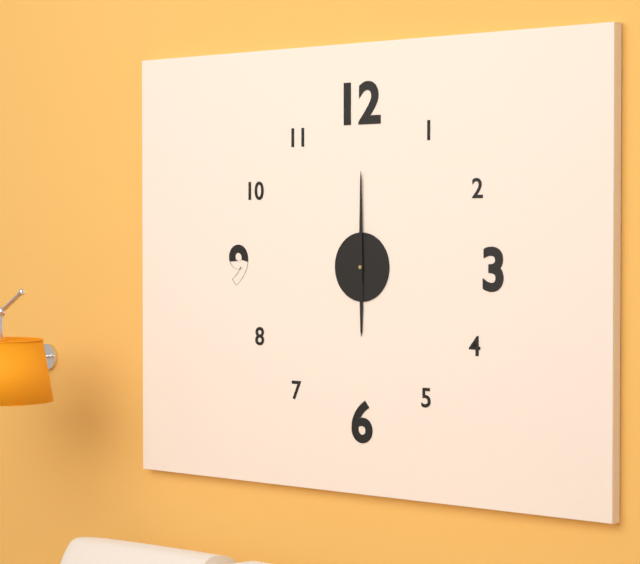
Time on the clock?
6:00
